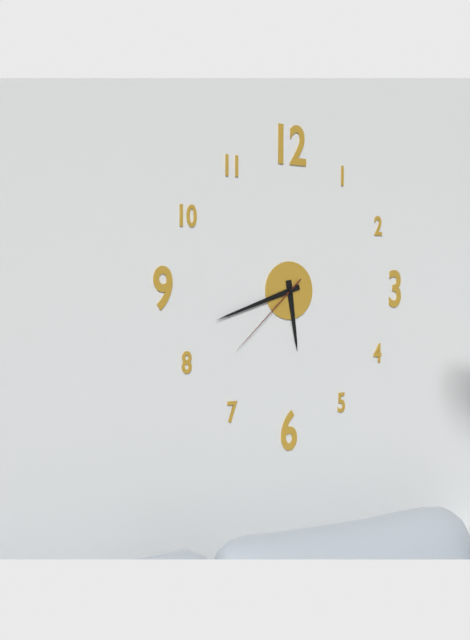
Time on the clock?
5:42:38
